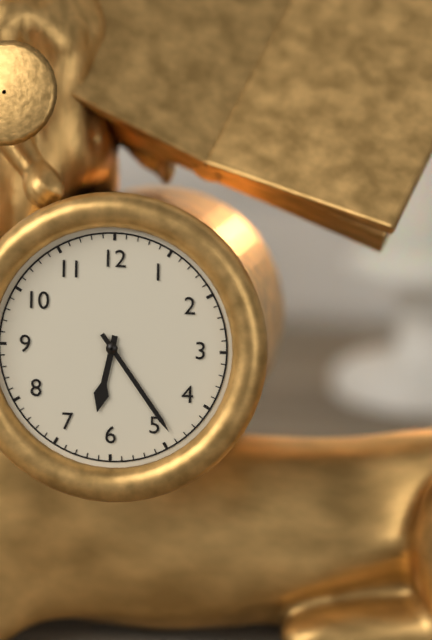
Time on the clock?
6:24
